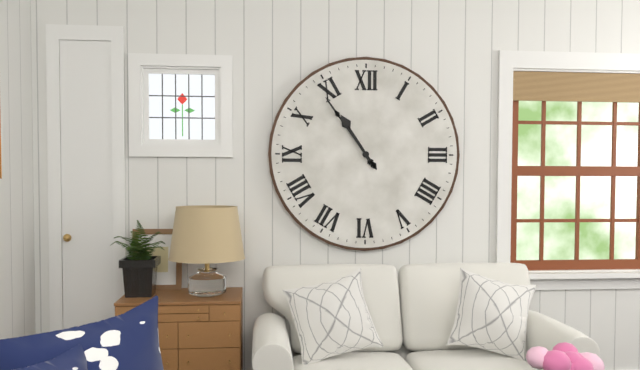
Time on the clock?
10:54
